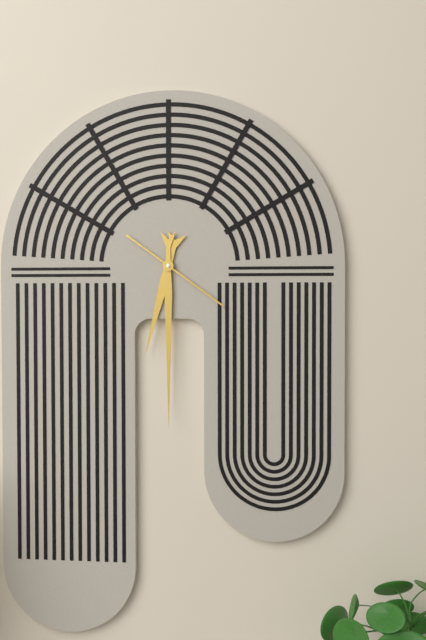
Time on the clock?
6:30:21
